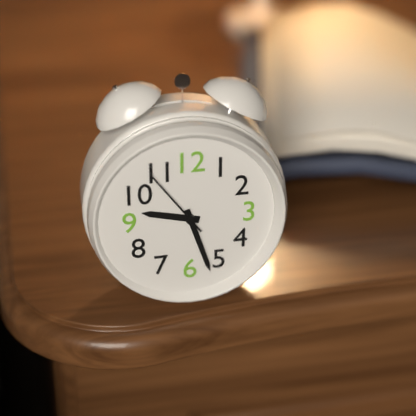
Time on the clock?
9:27:54
